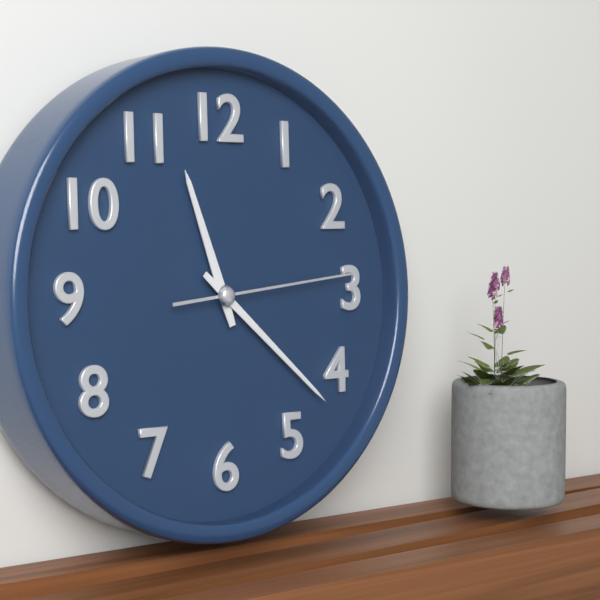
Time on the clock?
11:22:14
